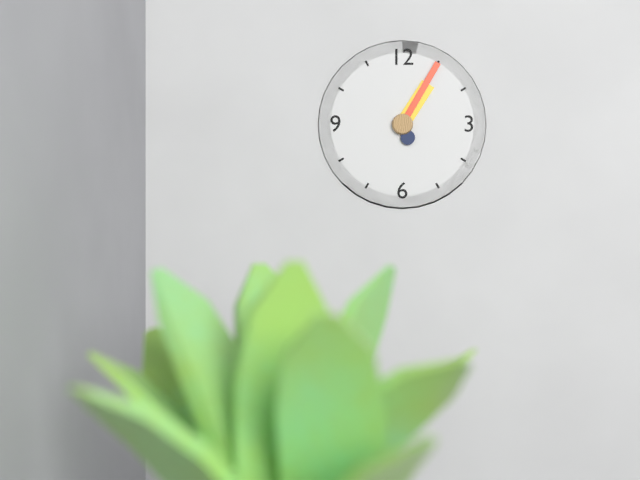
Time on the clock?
1:05
